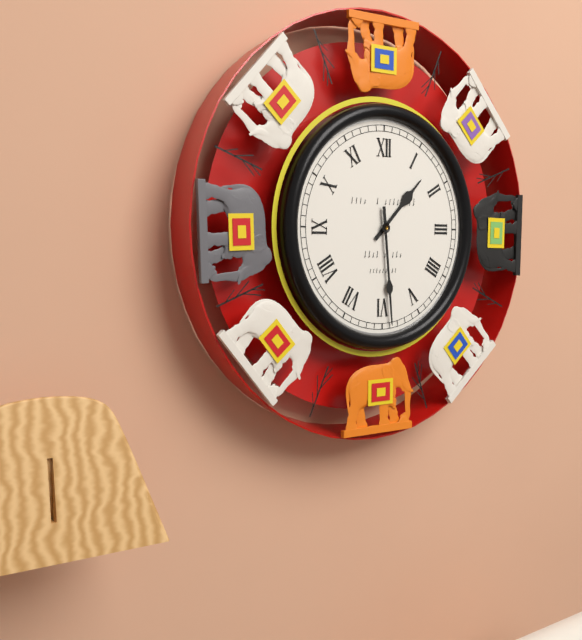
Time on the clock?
1:29
